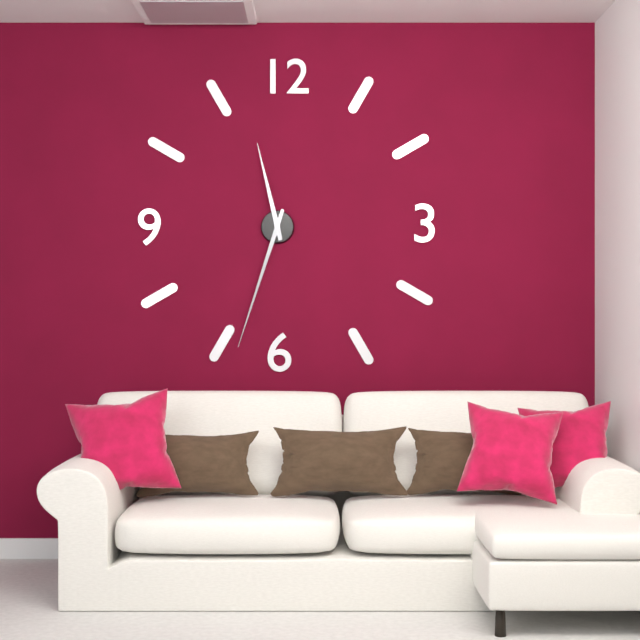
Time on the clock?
11:33
